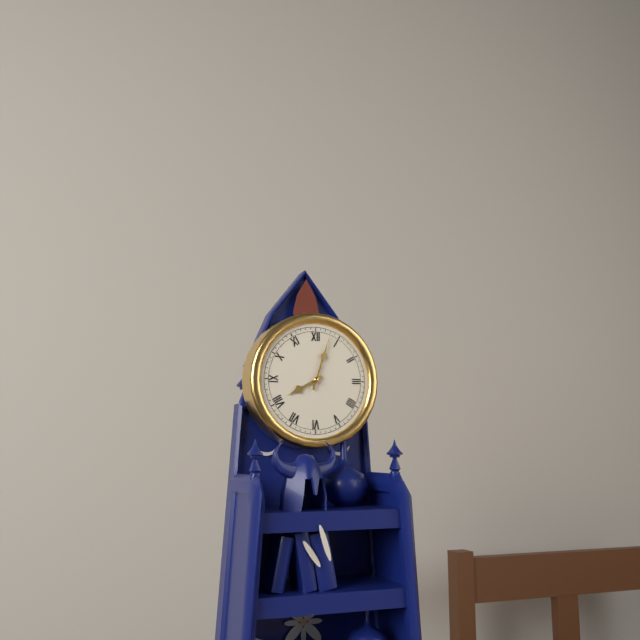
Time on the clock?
8:03
